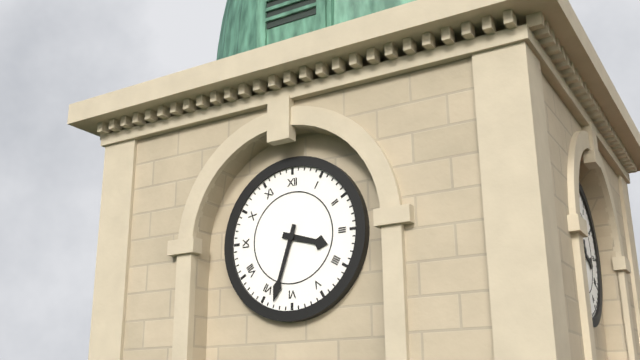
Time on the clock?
3:33
